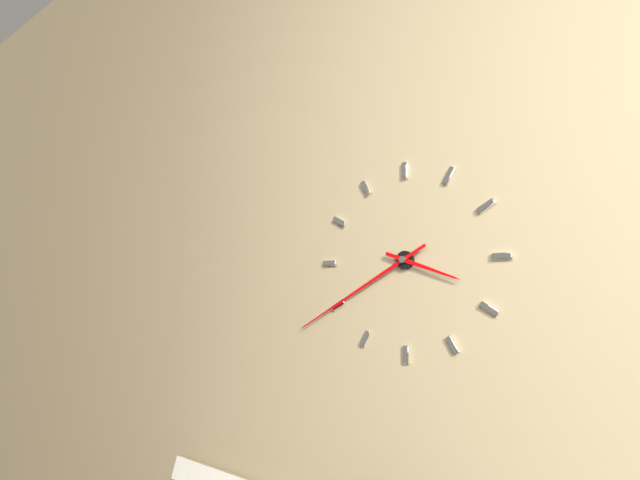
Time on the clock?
3:40
